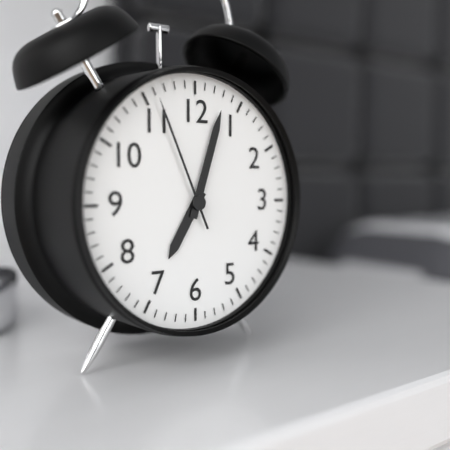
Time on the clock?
7:03:56
